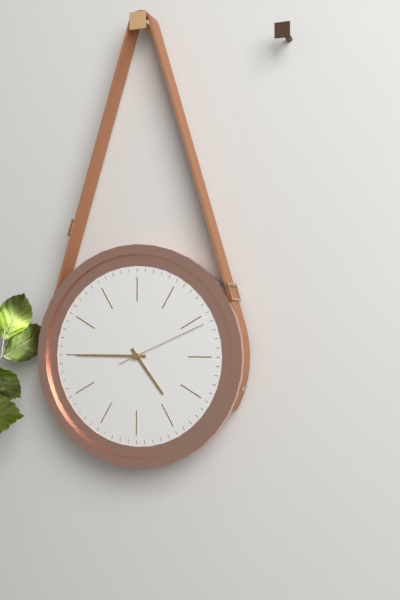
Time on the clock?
4:45:11
